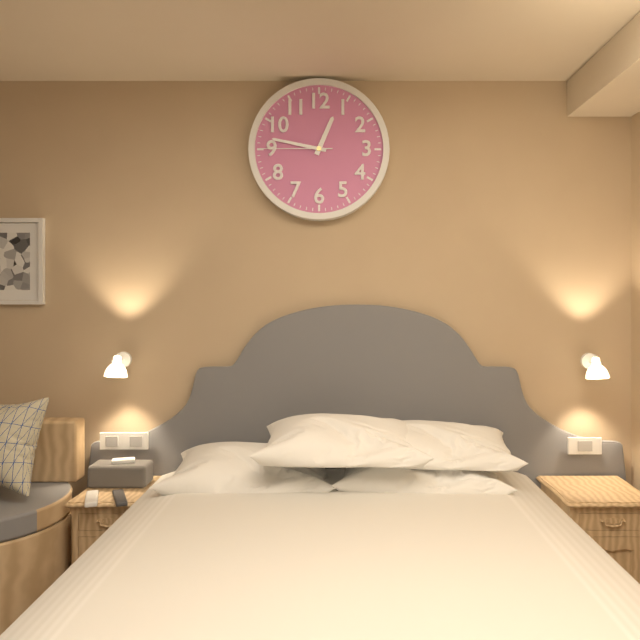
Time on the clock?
12:47:45
